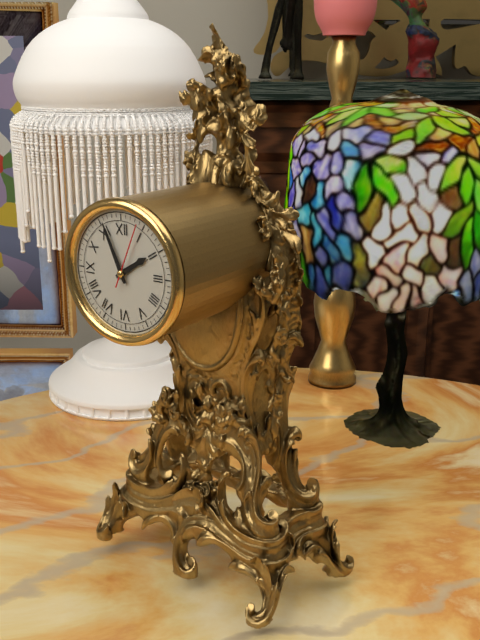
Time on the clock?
1:56:04
